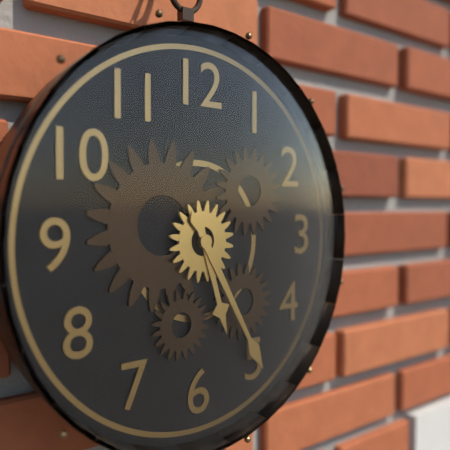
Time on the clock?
5:25
